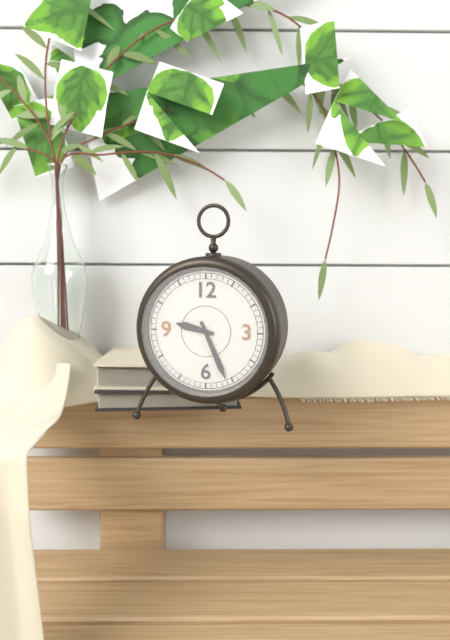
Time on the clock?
9:26
